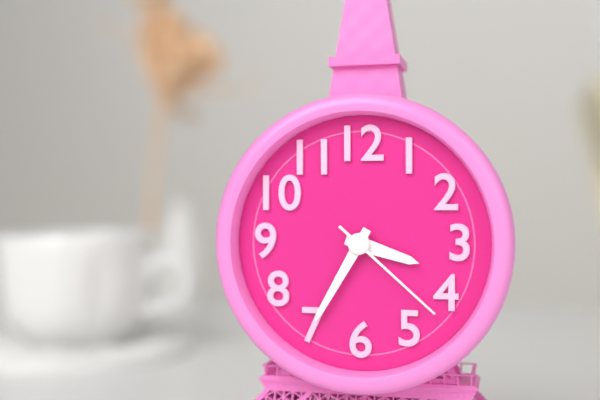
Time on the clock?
3:35:22
